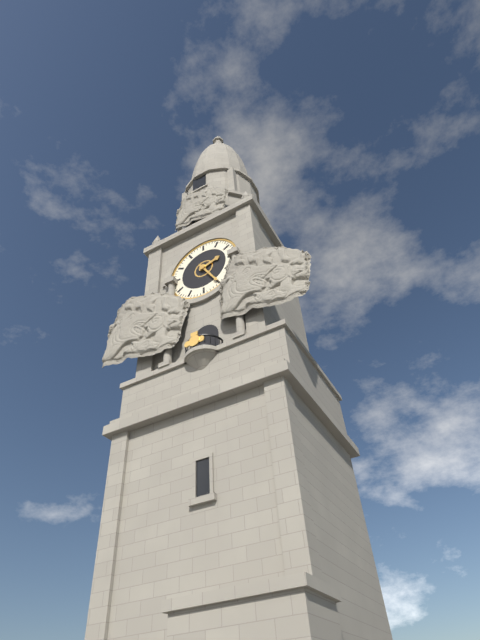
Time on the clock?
2:25
